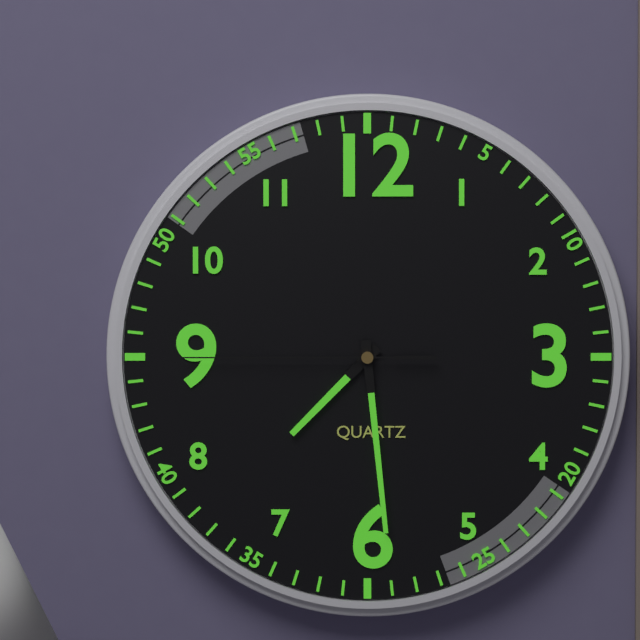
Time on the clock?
7:29:45
